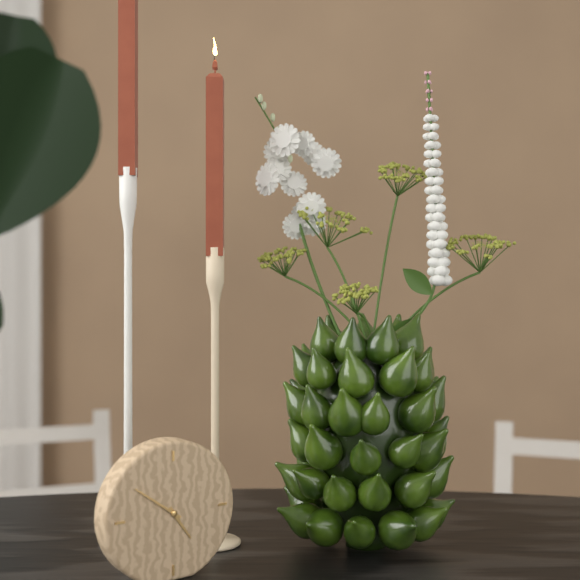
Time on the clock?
4:51
